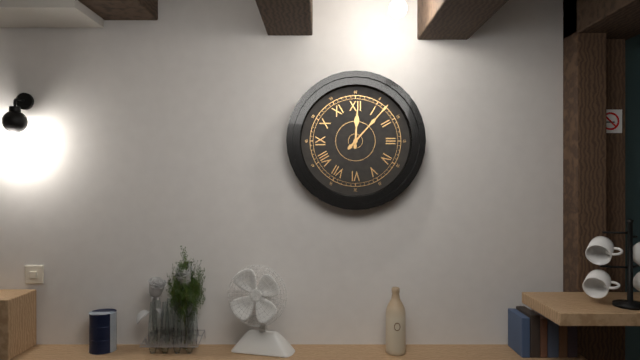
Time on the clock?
12:07
